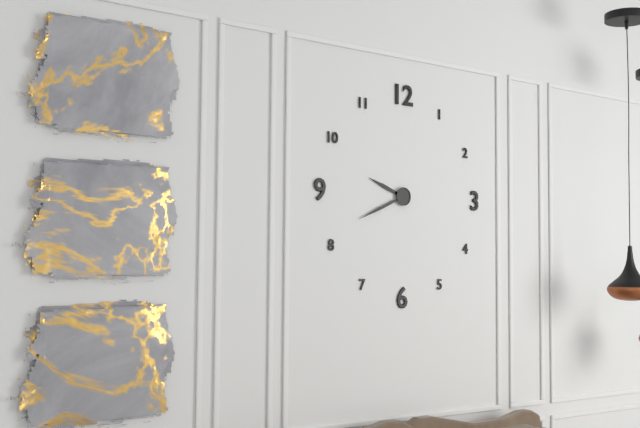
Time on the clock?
9:41
